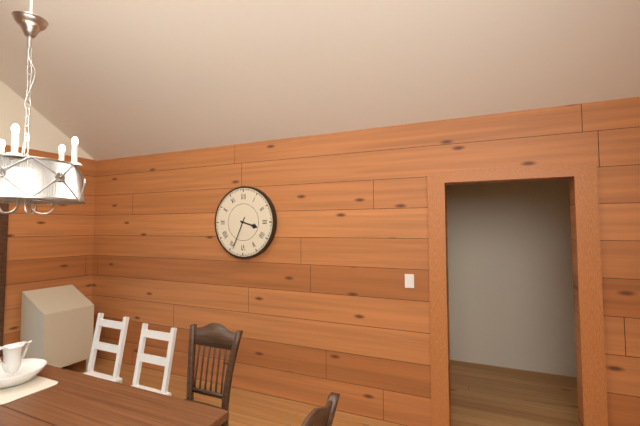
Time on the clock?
3:34
